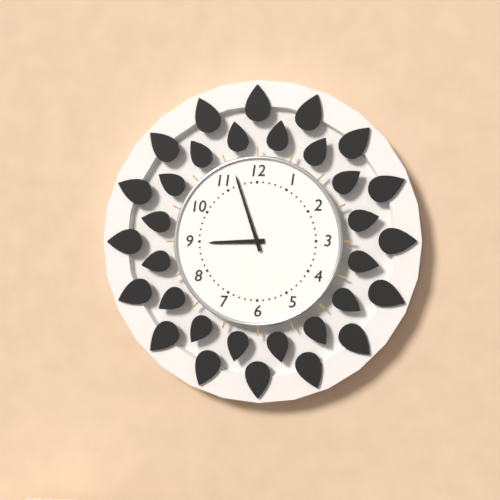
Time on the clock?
8:57
